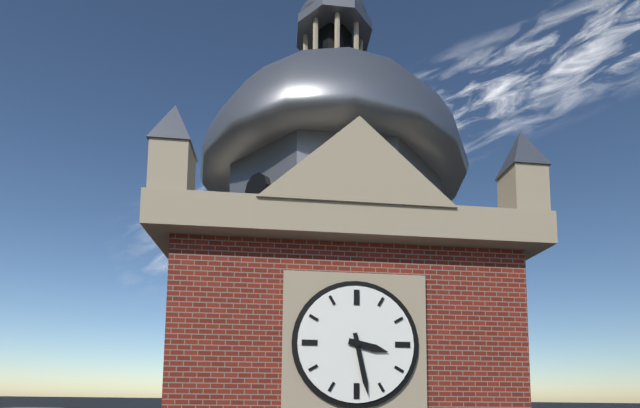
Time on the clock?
3:28
